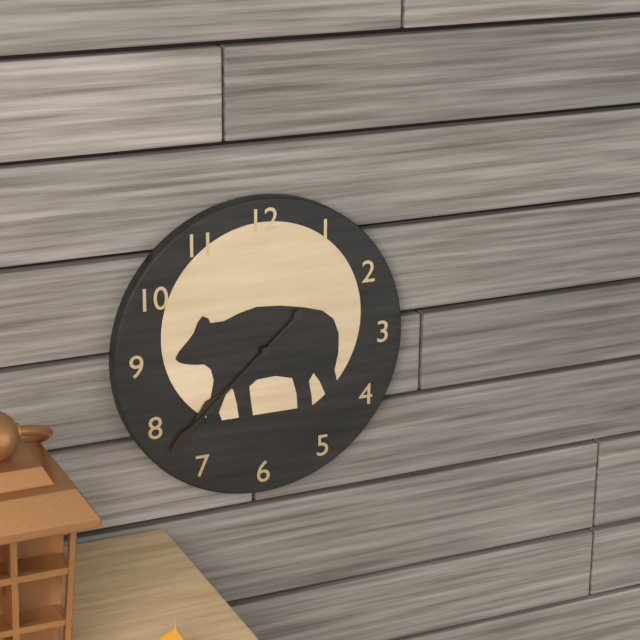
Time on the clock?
7:38
